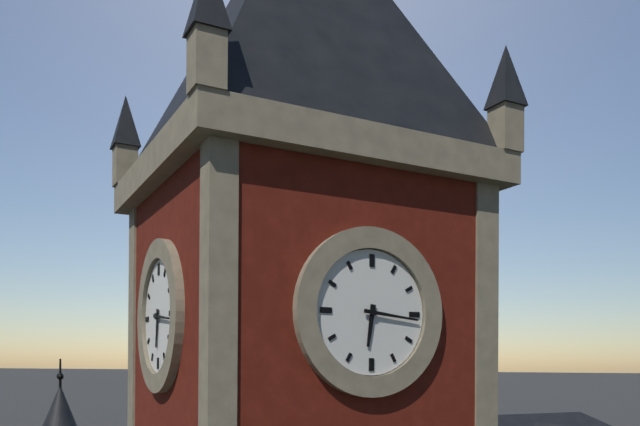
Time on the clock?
6:16
